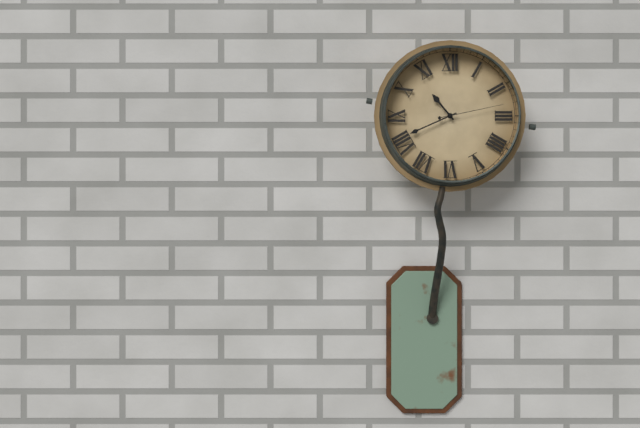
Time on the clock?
10:41:13
